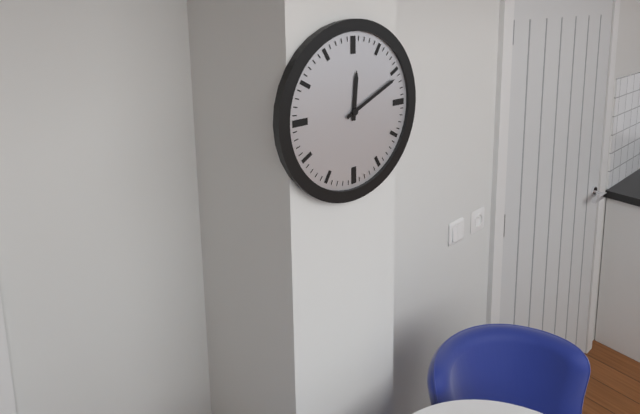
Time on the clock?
12:11
